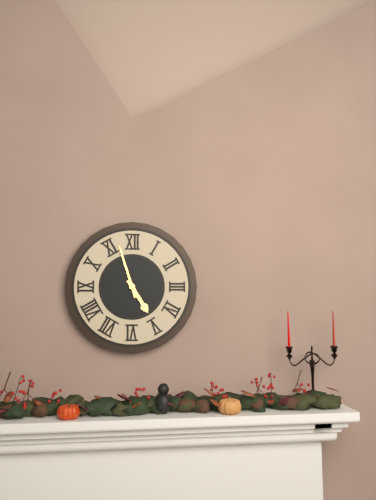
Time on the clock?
4:57
